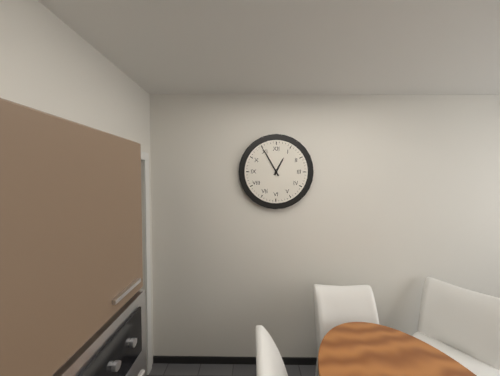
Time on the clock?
12:55
